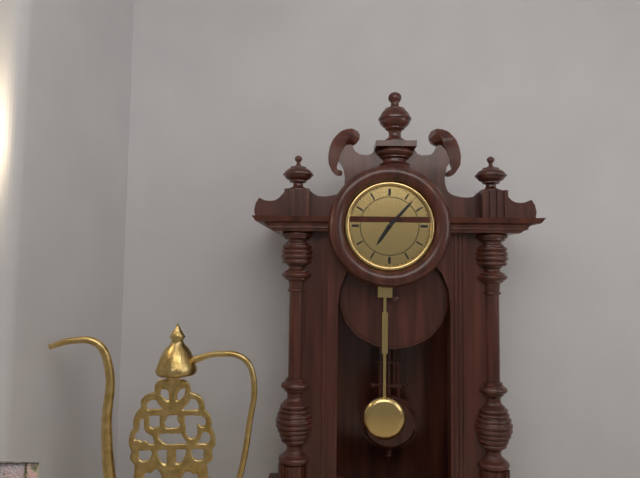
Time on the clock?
7:07
